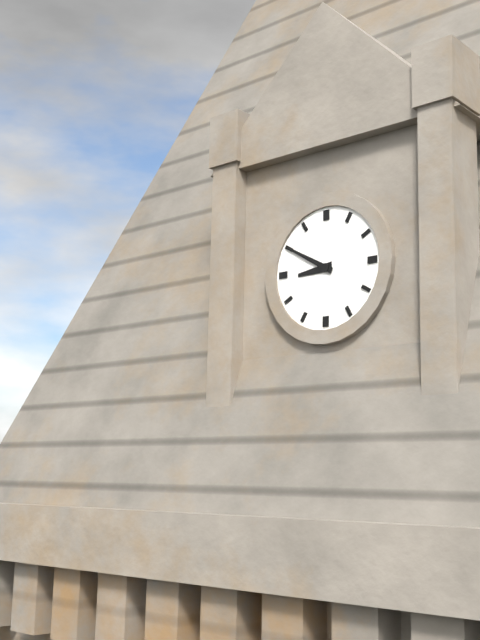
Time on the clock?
8:50
